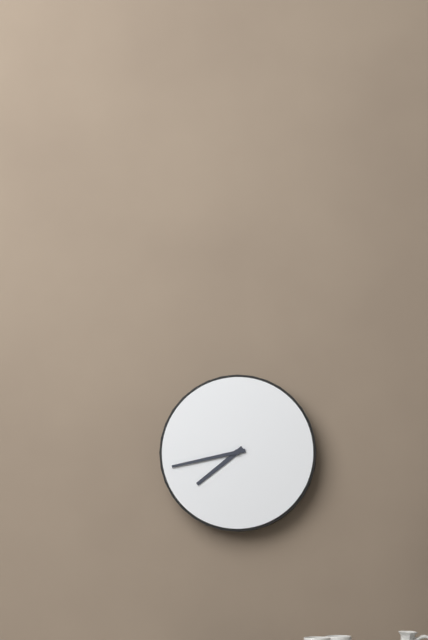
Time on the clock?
7:43
